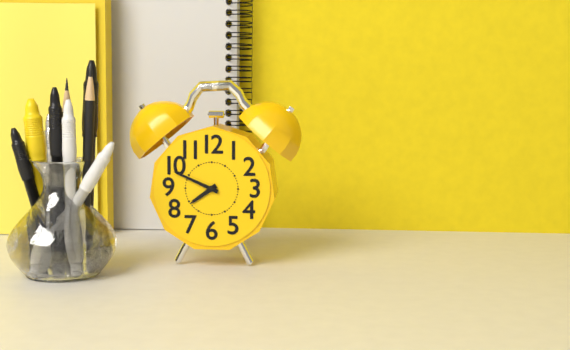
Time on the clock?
7:49
